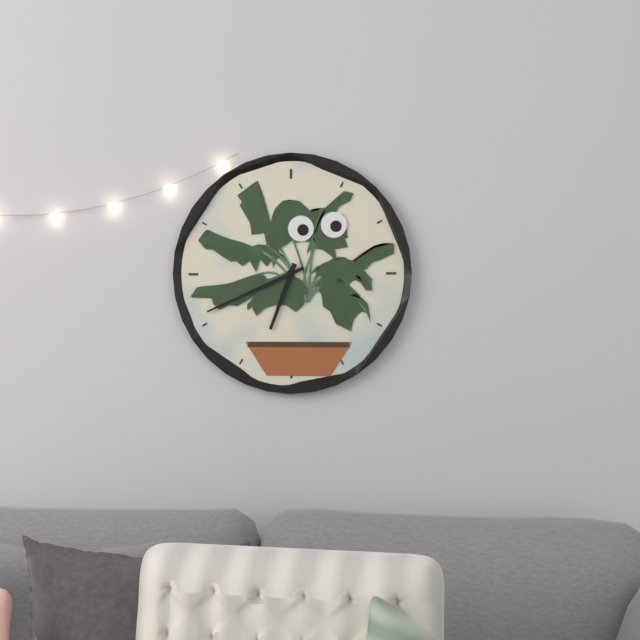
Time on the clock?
6:41
